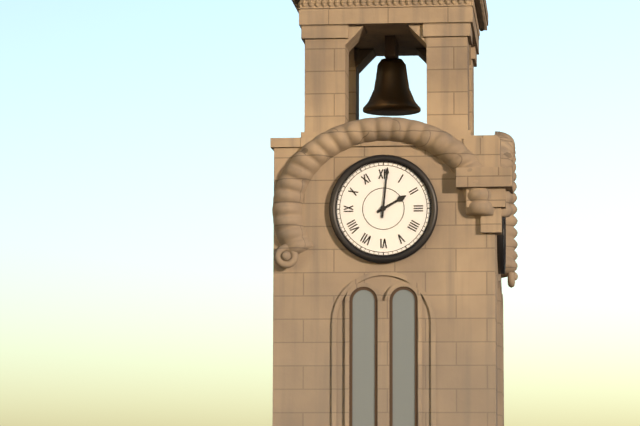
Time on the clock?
2:01
